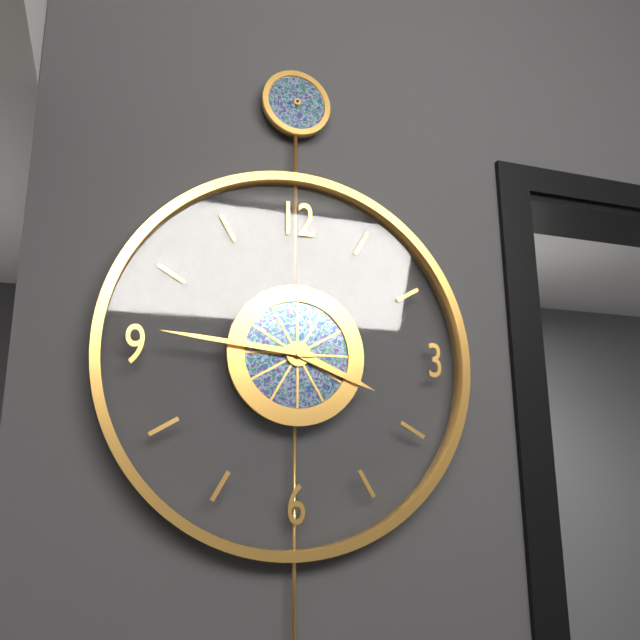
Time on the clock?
3:46
